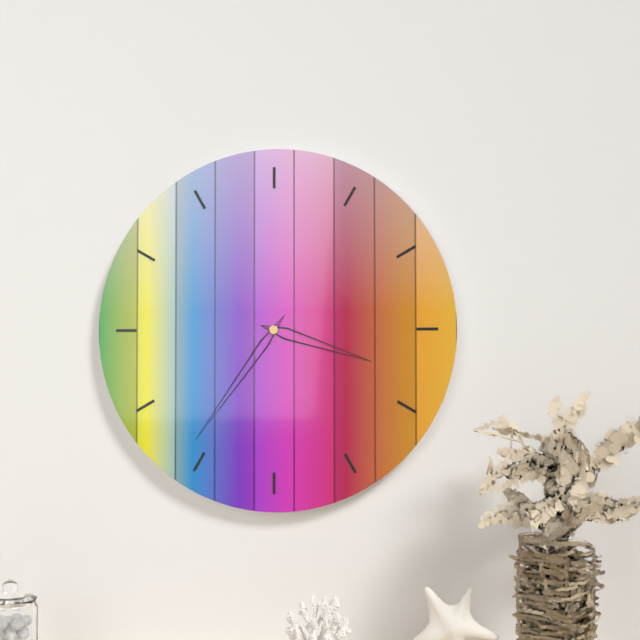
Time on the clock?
3:36
